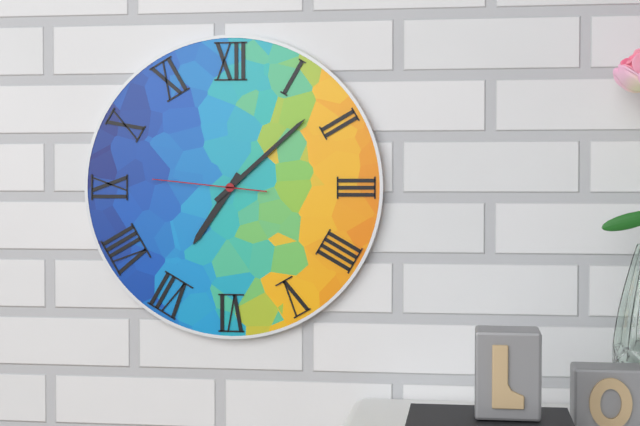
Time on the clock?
7:08:46
